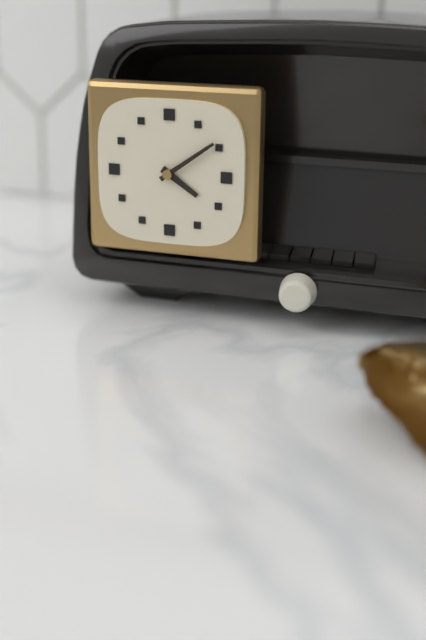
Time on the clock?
4:09
